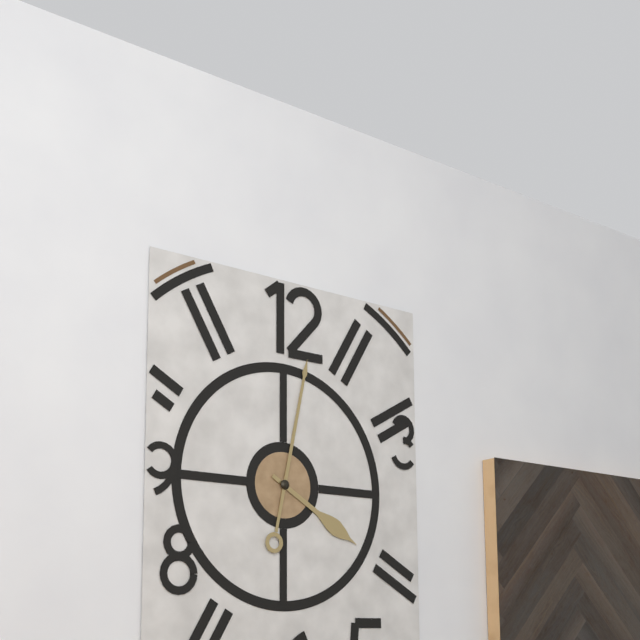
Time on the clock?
4:02
